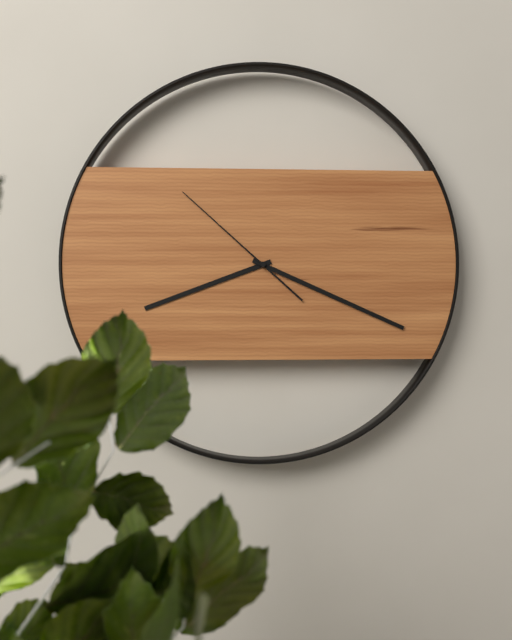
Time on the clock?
8:19:52
